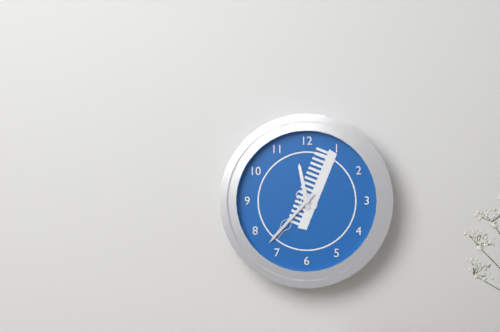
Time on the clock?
11:37
